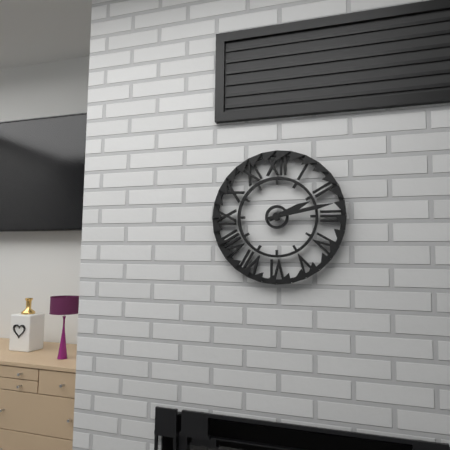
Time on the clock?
2:13
